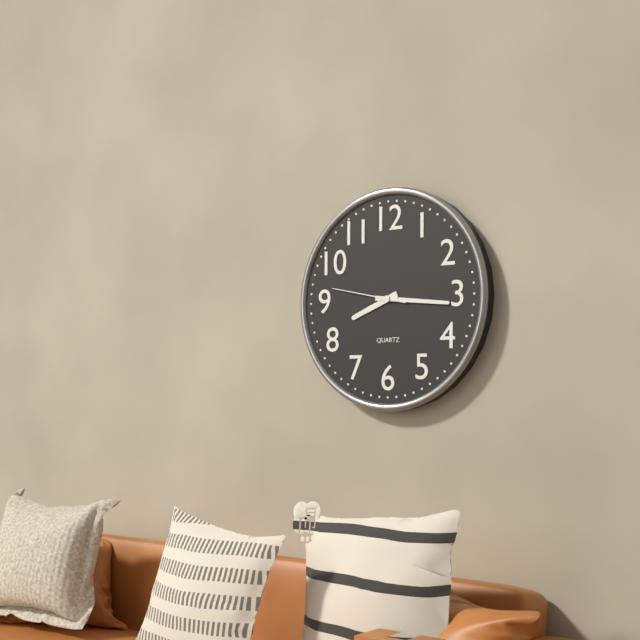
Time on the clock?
8:16:47
